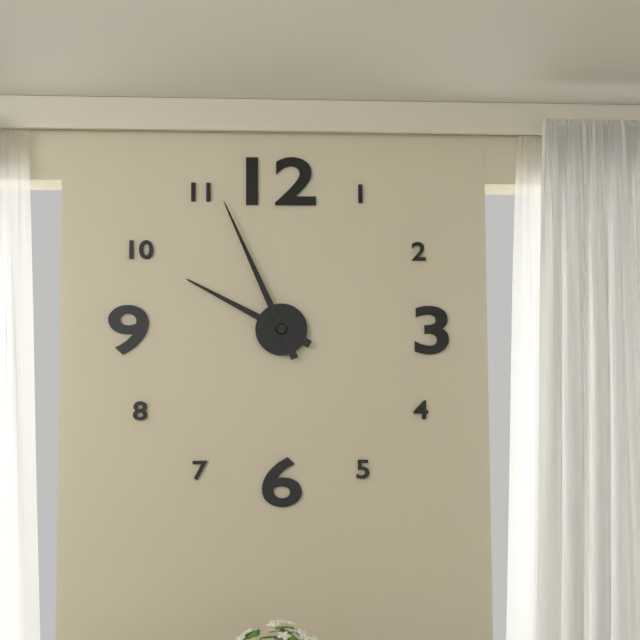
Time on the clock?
9:56
